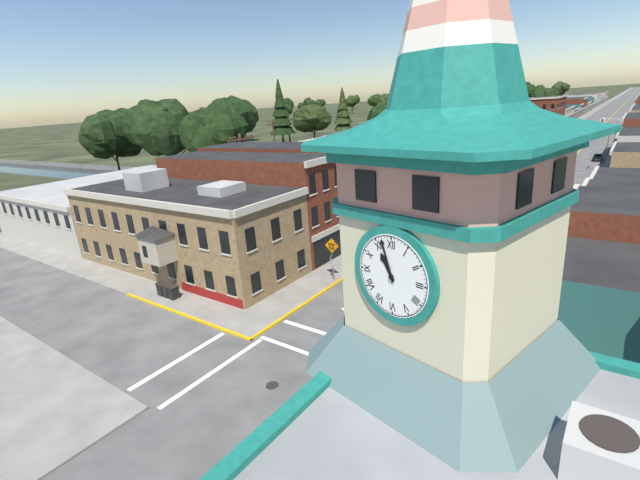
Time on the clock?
10:57
